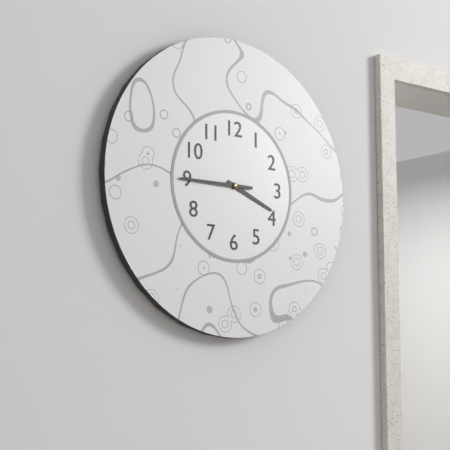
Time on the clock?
3:45
